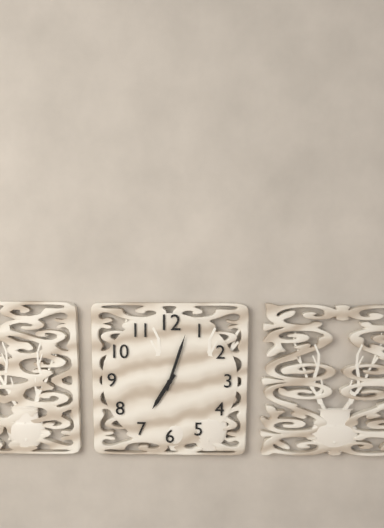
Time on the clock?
7:03
